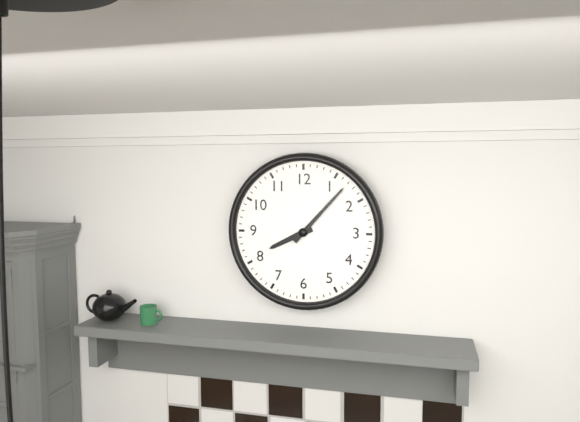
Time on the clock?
8:07
